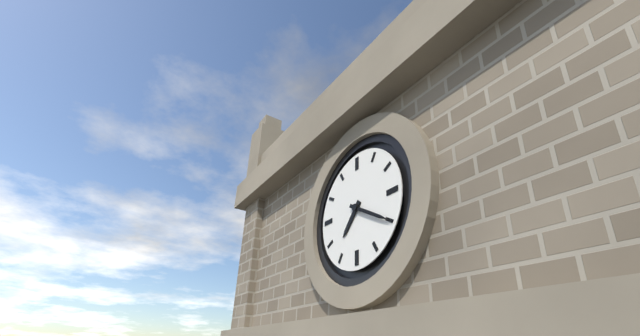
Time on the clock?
7:20
